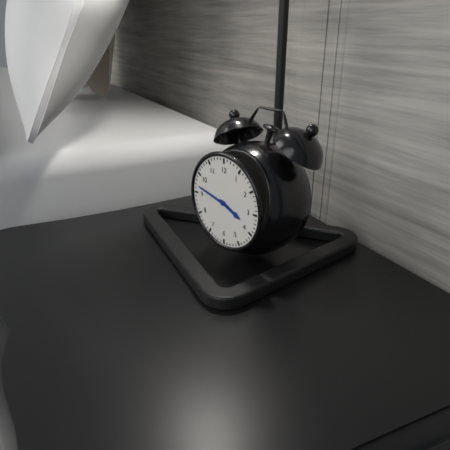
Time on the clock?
3:47
